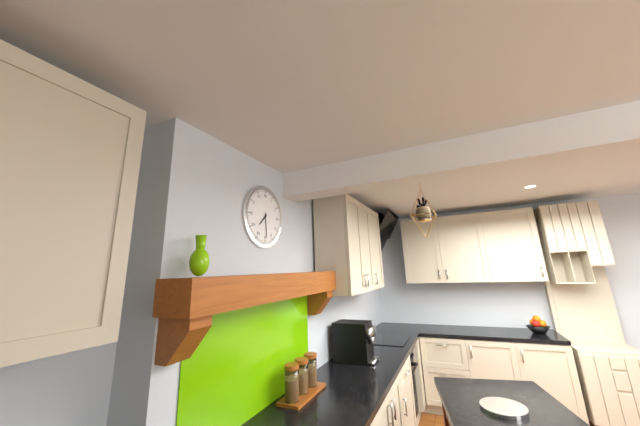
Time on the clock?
7:29
